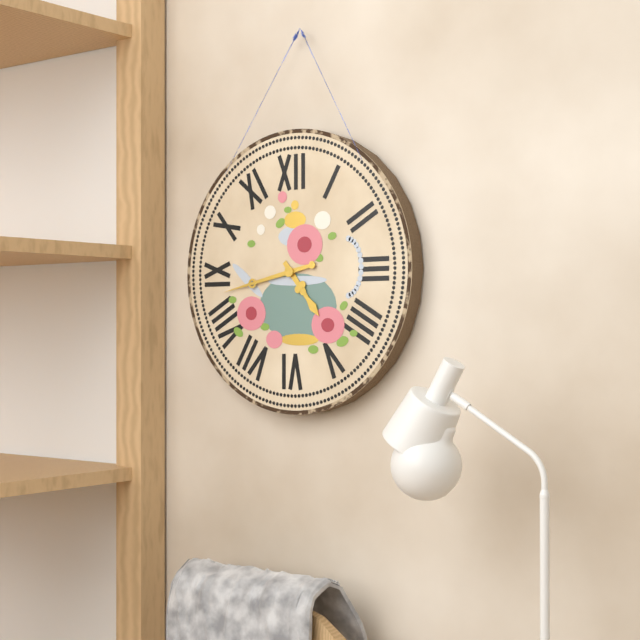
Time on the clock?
4:43
